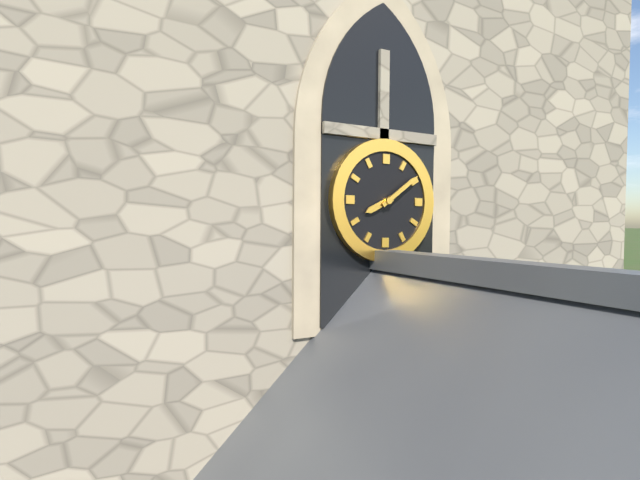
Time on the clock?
8:09
